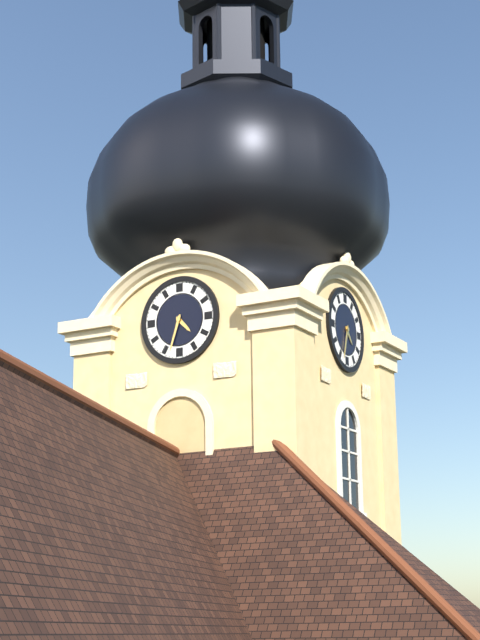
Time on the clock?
4:33
